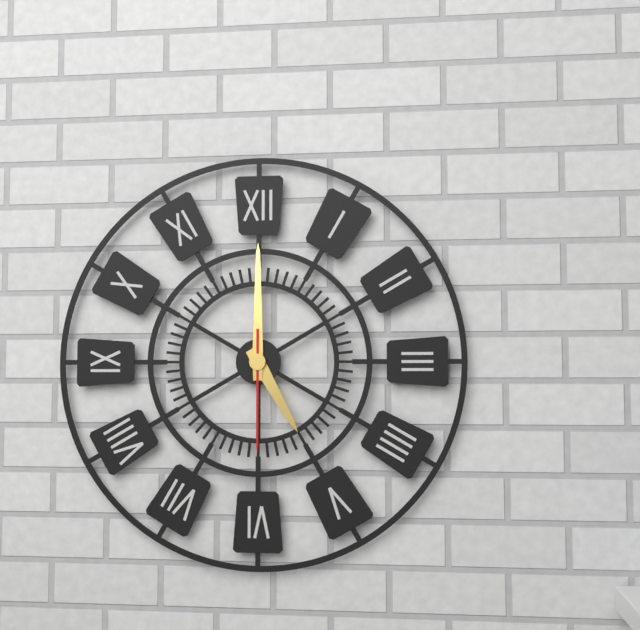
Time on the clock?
5:00:30
